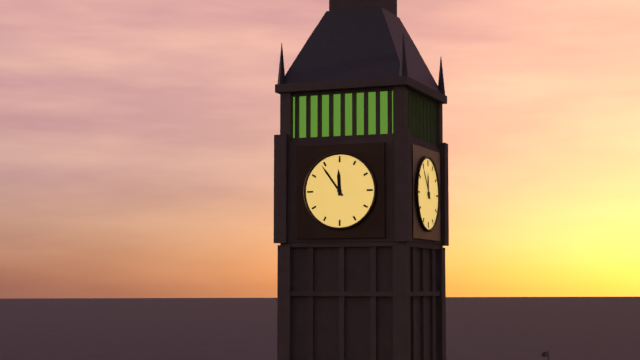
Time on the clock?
11:54
